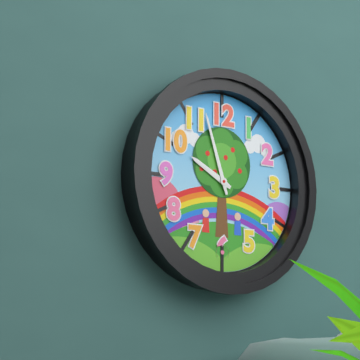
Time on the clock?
9:57
